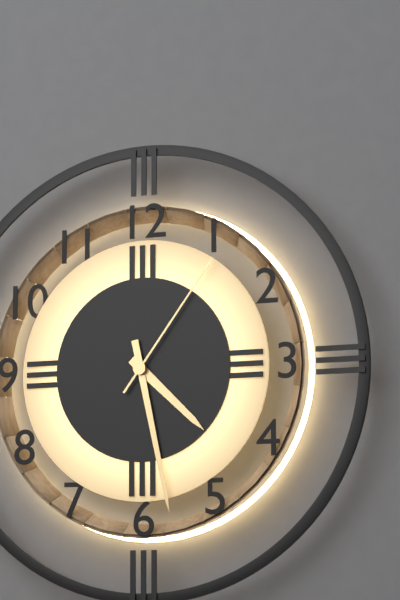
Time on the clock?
4:28:06
